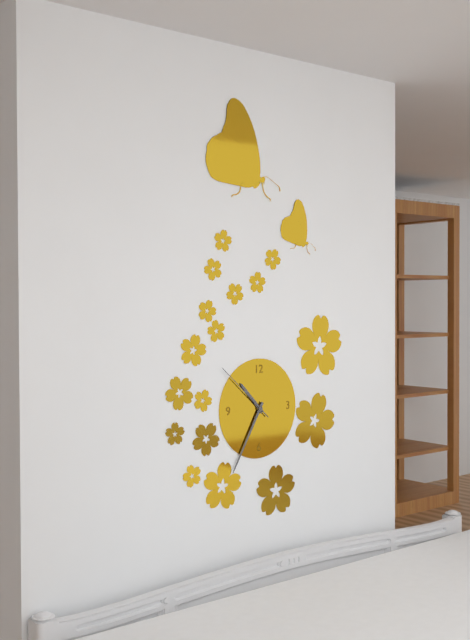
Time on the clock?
10:35:52
